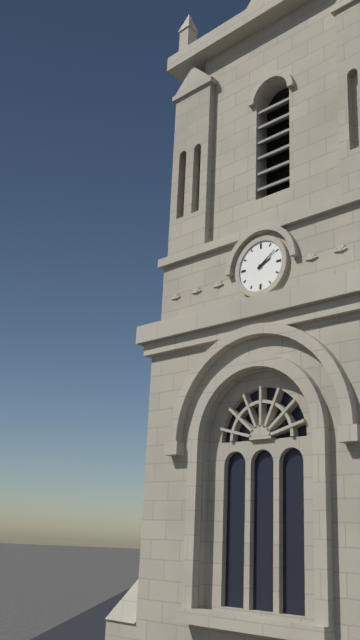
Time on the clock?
2:09
